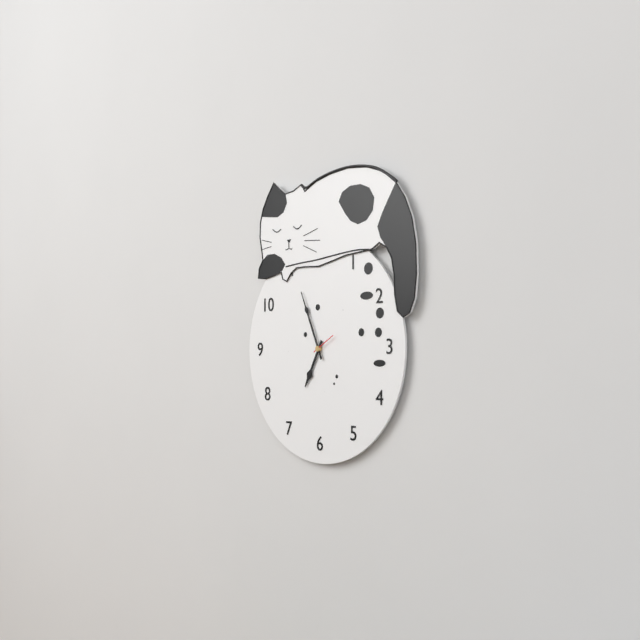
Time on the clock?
6:56
